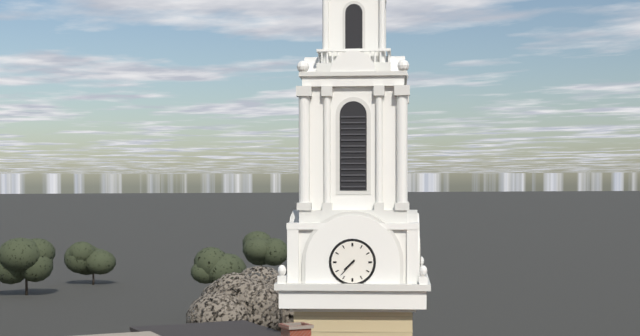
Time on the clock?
7:37
